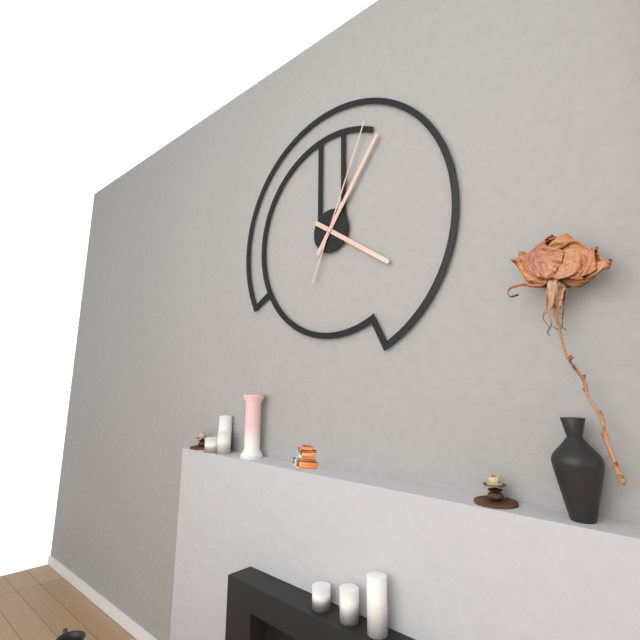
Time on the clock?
4:06:04
